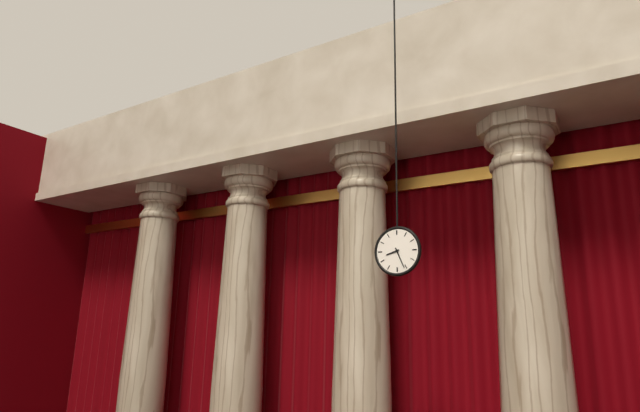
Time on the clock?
8:26
